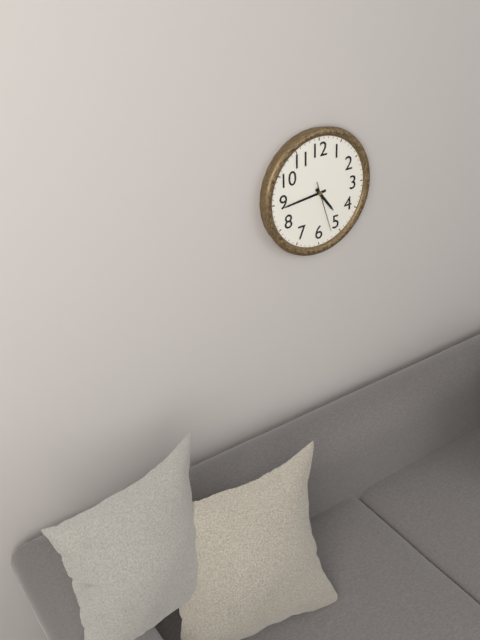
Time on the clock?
4:44:27
